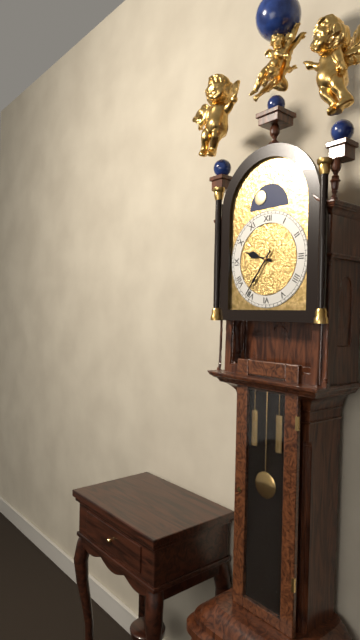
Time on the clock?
9:36
